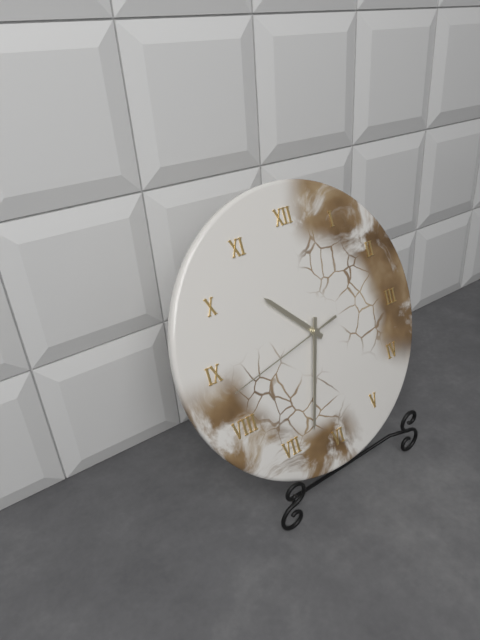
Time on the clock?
10:33:43
